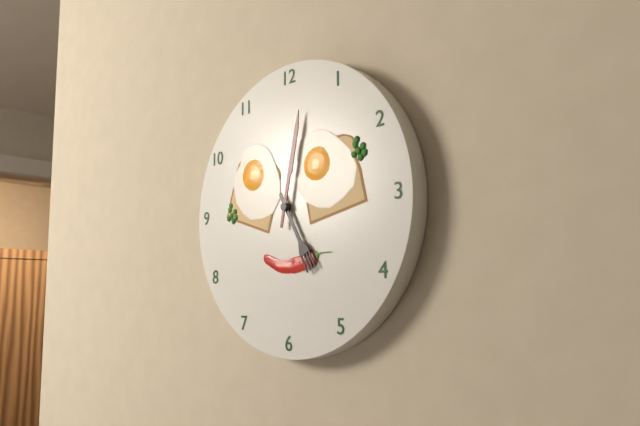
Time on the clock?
5:02
